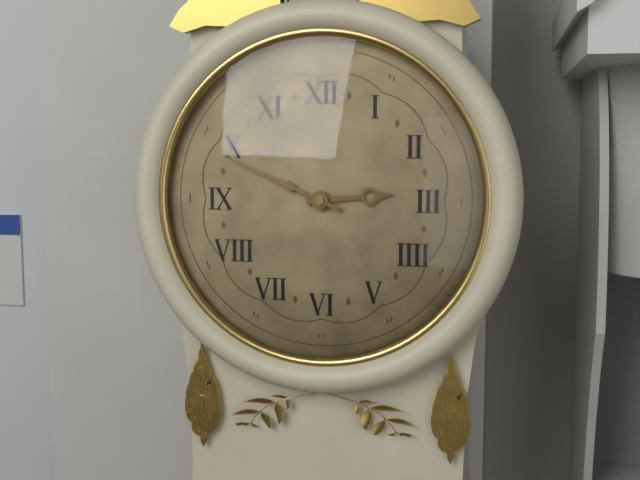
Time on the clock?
2:49
